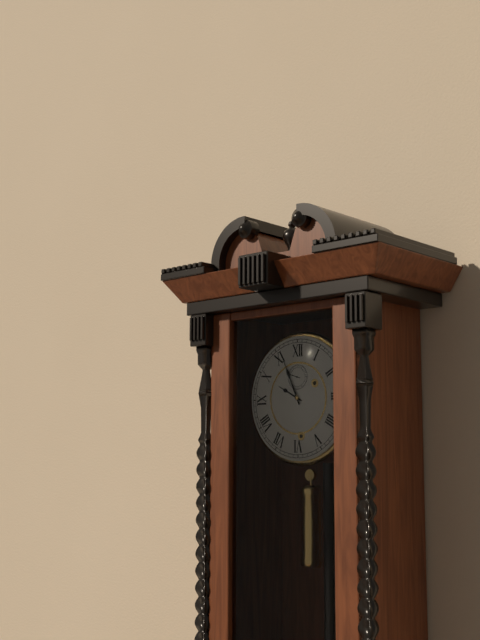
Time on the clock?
9:56
